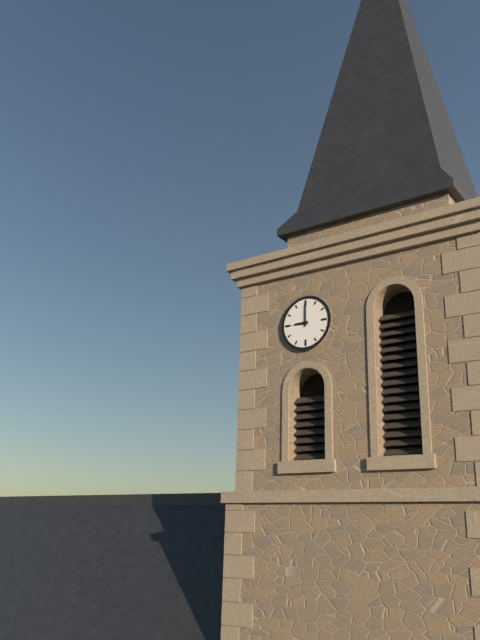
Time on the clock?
9:00
